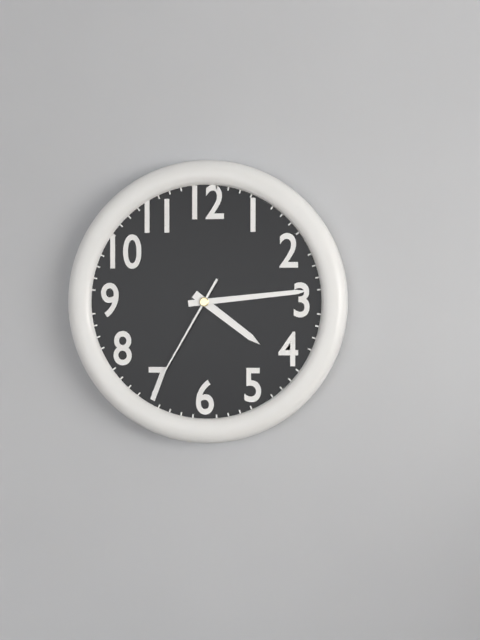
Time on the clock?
4:14:35
